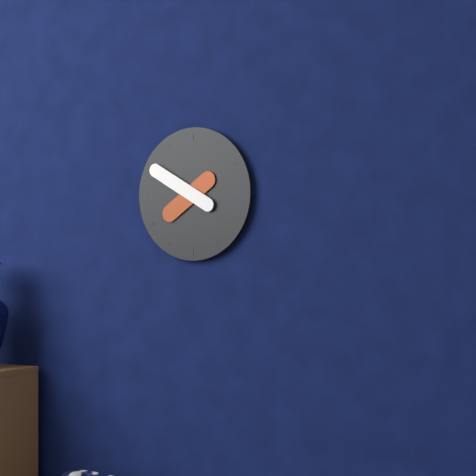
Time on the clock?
7:50
